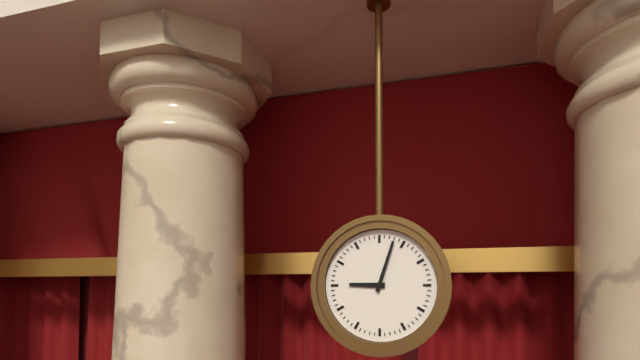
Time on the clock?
9:03
